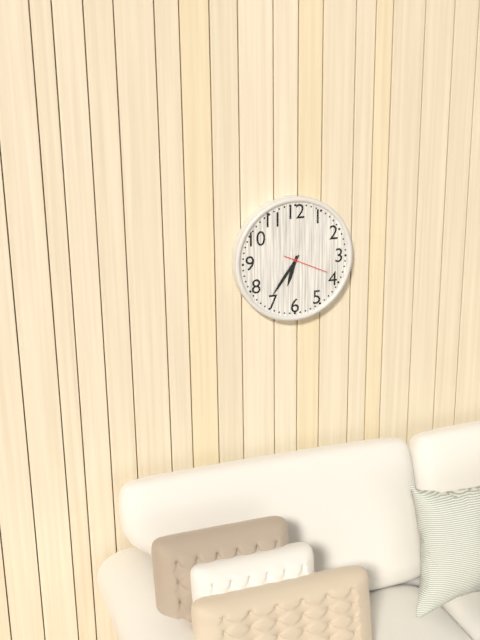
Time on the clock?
6:36
